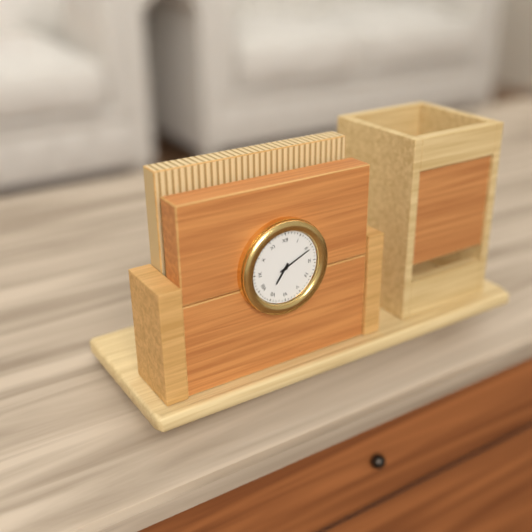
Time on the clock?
7:11
